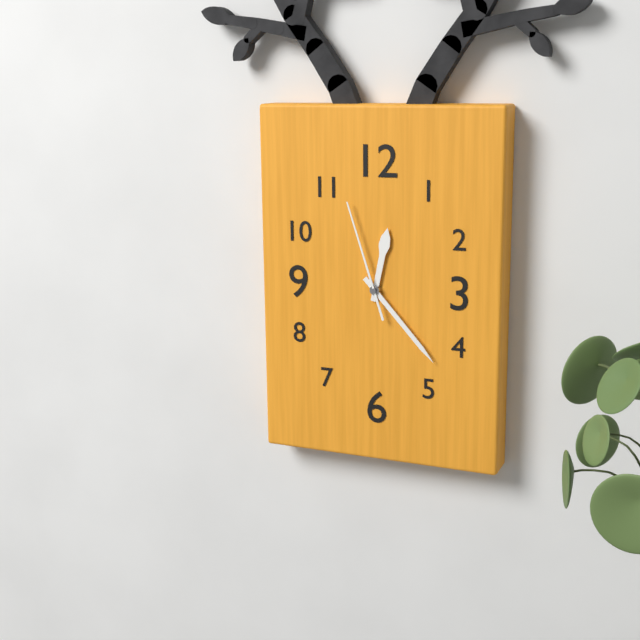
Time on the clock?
12:23:57
